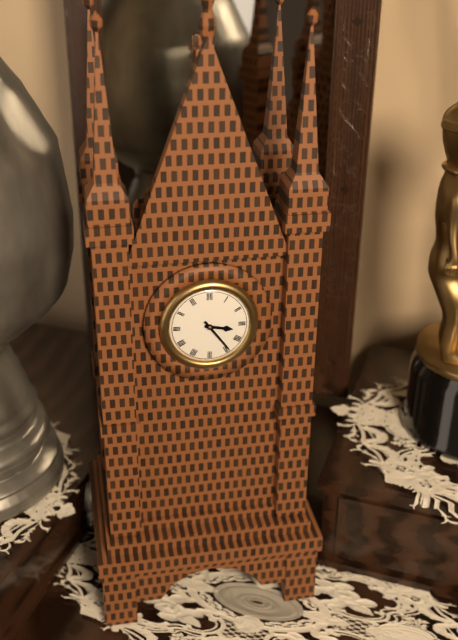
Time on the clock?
3:24
